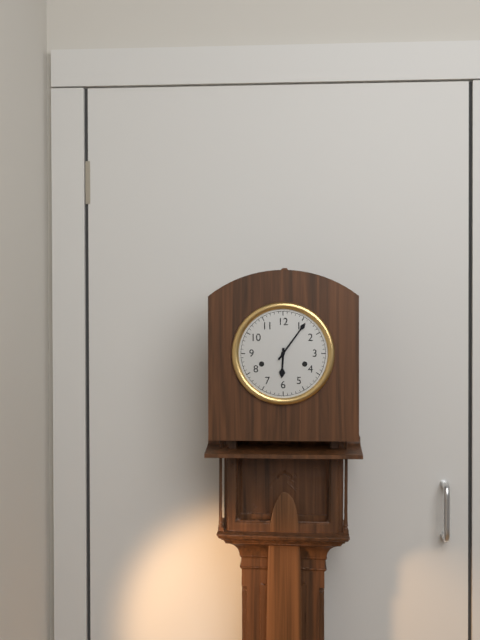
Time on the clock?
6:06
